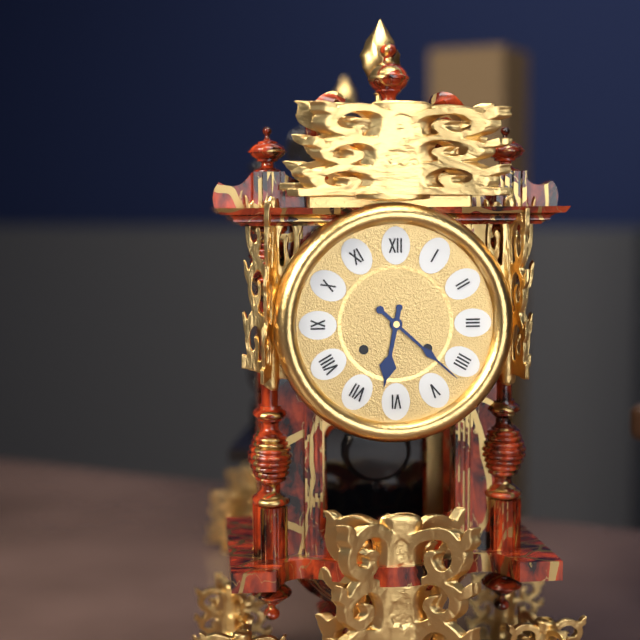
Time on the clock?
6:22
